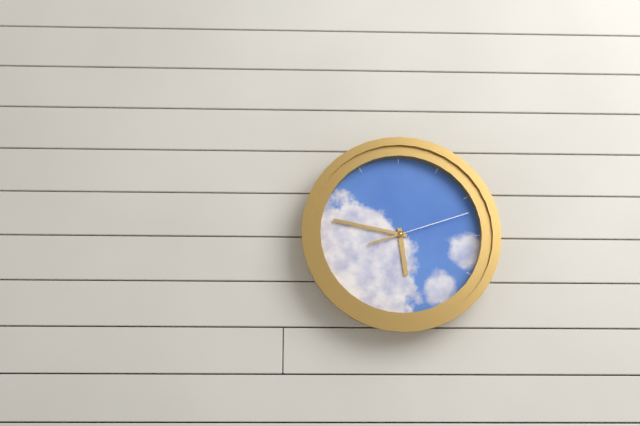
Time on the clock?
5:47:12
